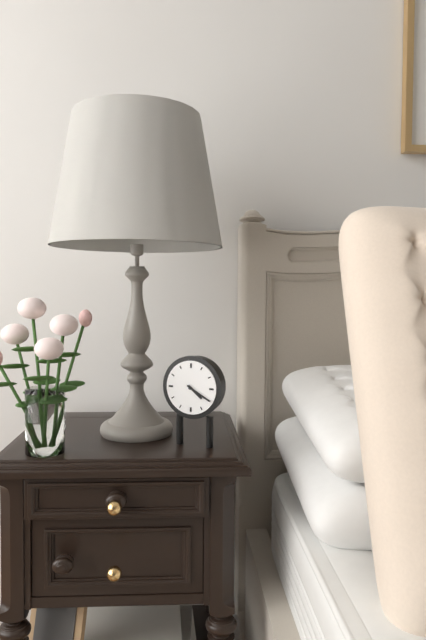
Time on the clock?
4:20
